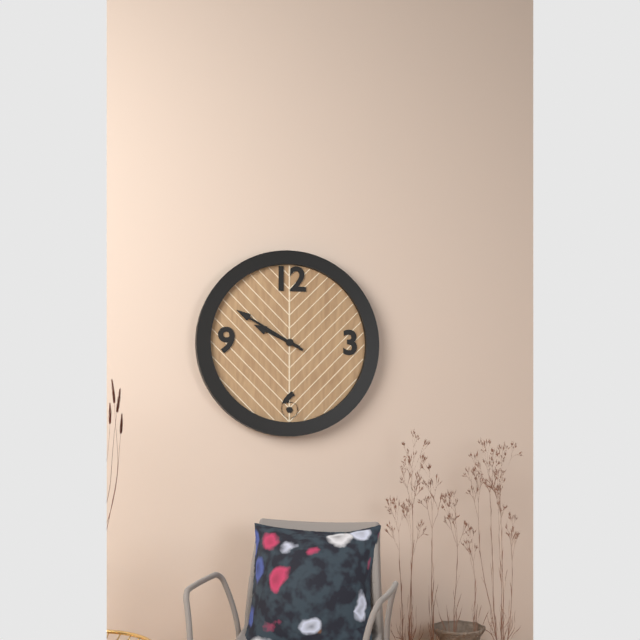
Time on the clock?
9:50
